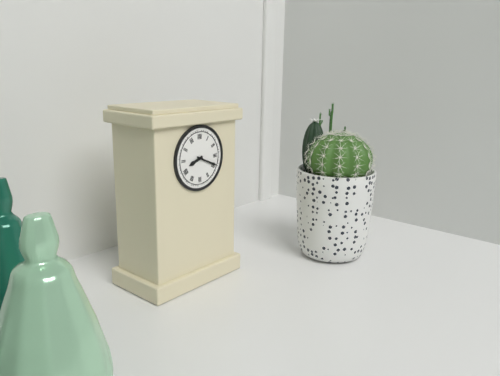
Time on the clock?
8:19
